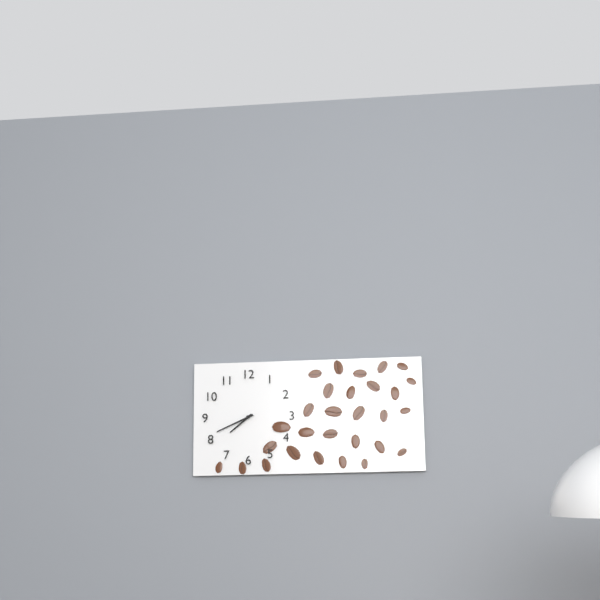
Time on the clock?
7:41
